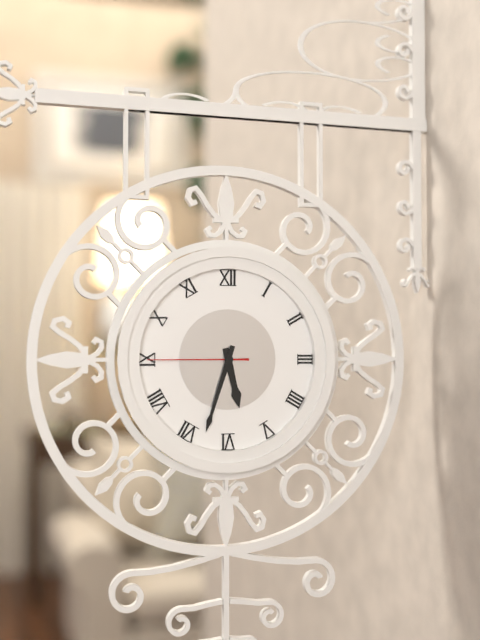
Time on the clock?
5:33:45
